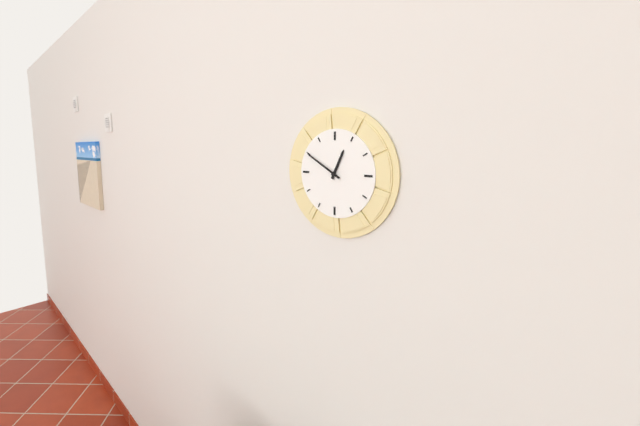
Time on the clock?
12:50
